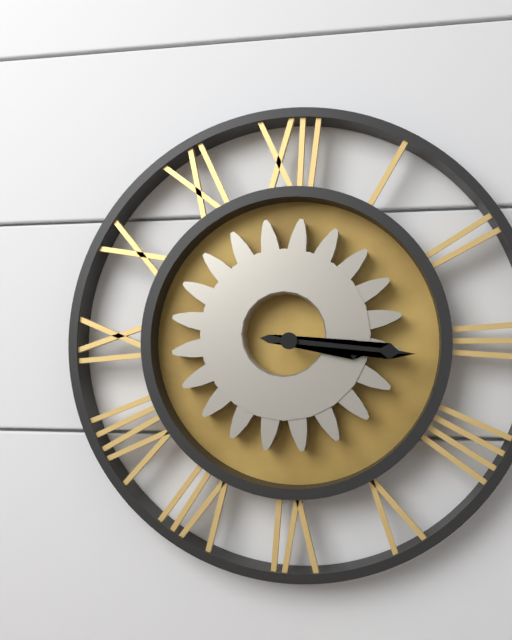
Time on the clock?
3:16
